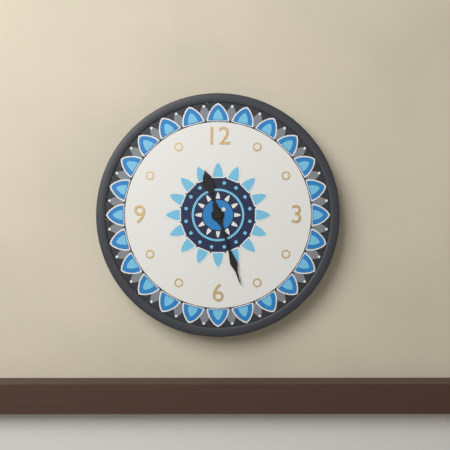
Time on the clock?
11:27
